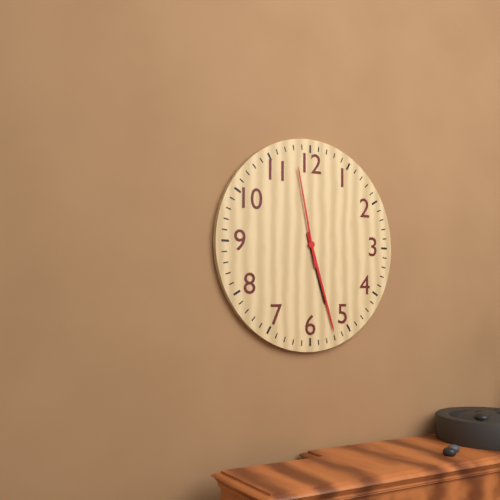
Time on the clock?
5:27:58
